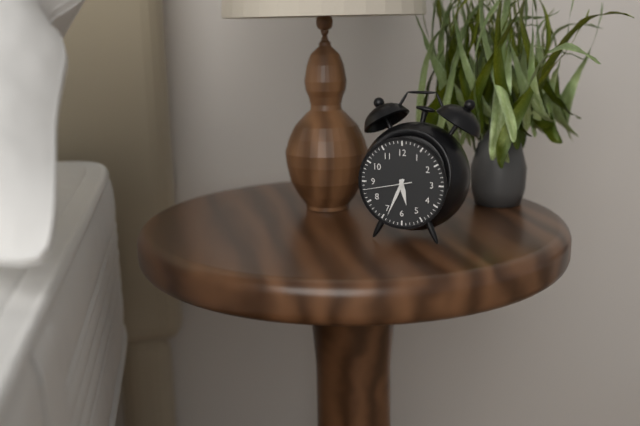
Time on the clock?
5:34
